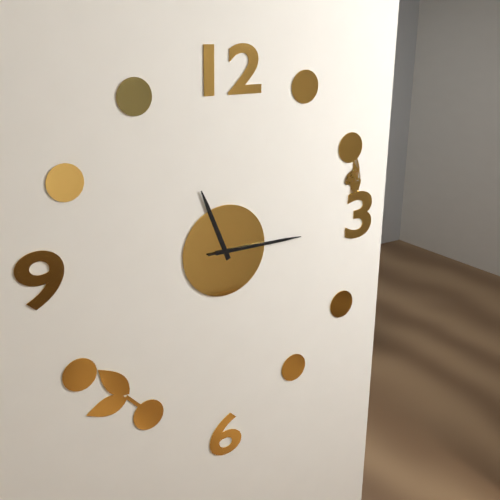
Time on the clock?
11:15:15
